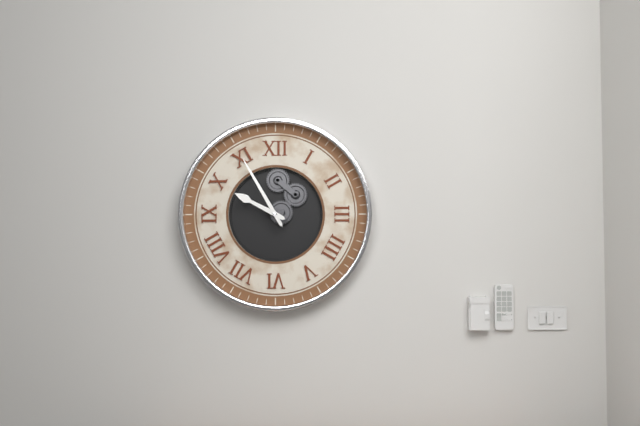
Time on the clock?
9:55
